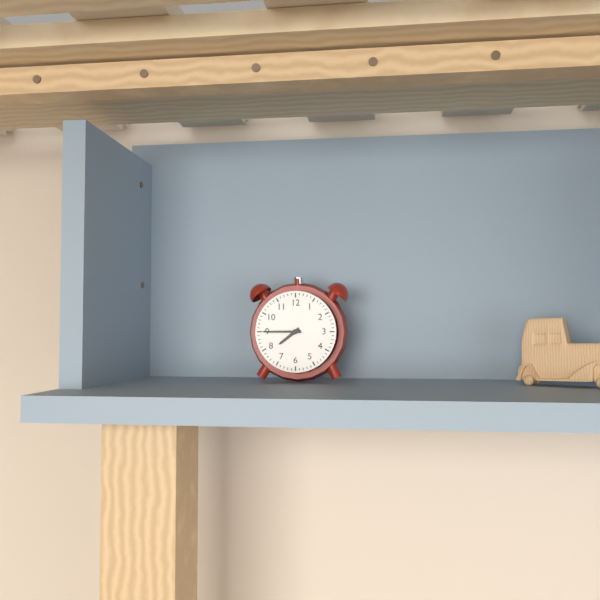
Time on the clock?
7:45
